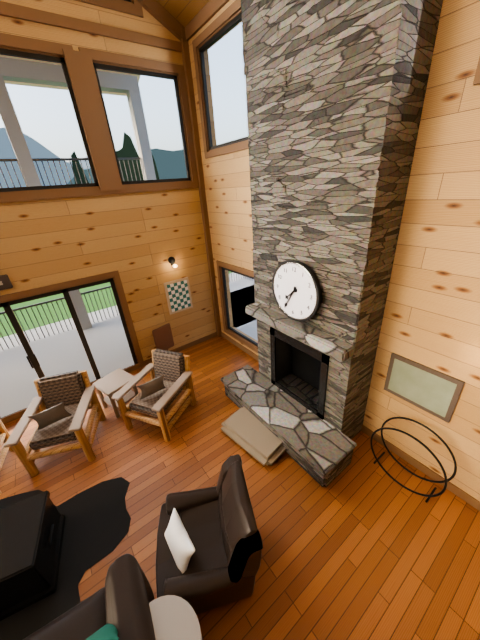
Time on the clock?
7:35
